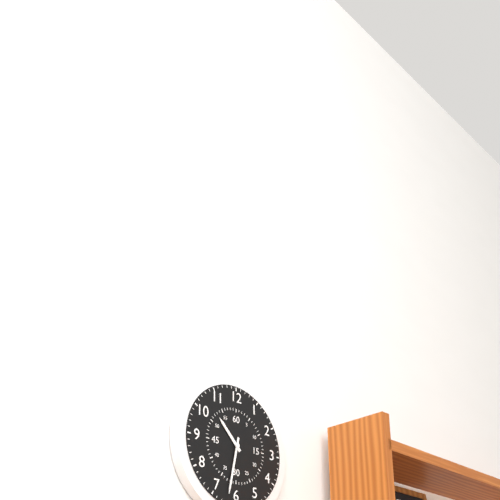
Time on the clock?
10:32
